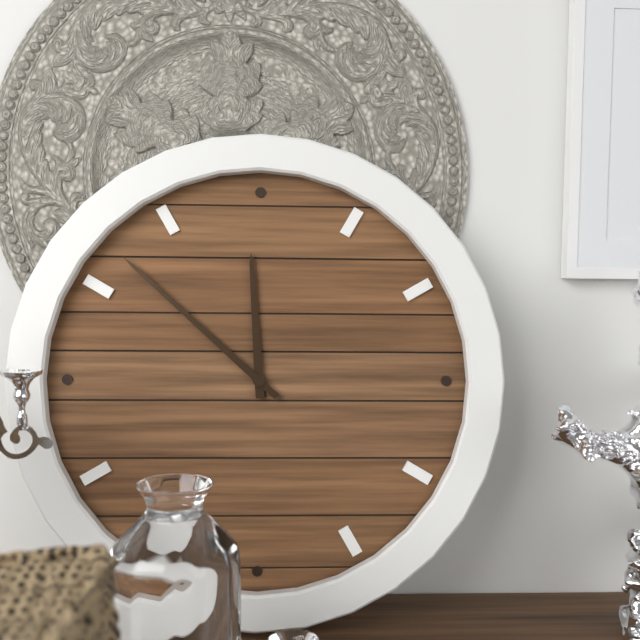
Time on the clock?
11:52
